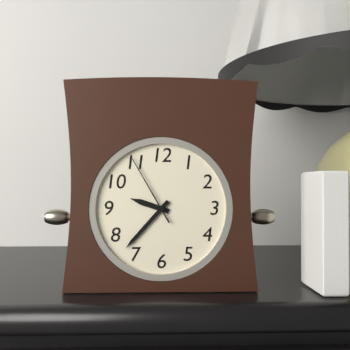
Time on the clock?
9:37:55
